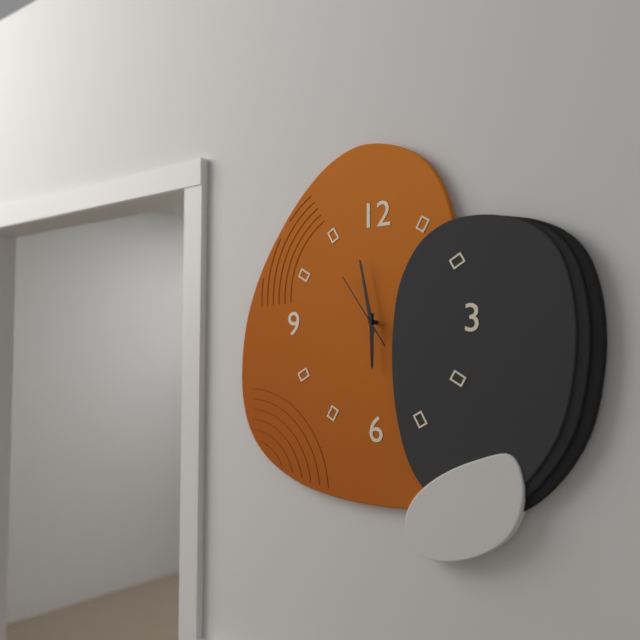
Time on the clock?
5:58:54
